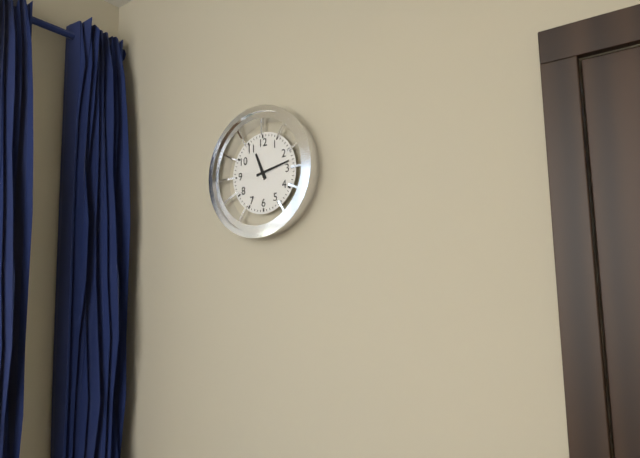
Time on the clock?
11:13
